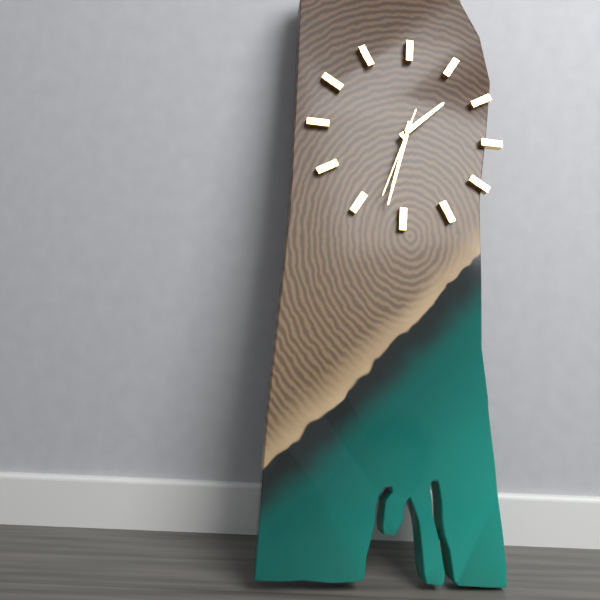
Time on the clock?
1:32:33
